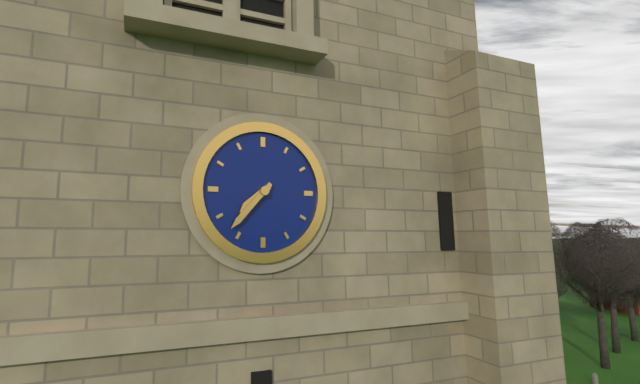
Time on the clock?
7:37
